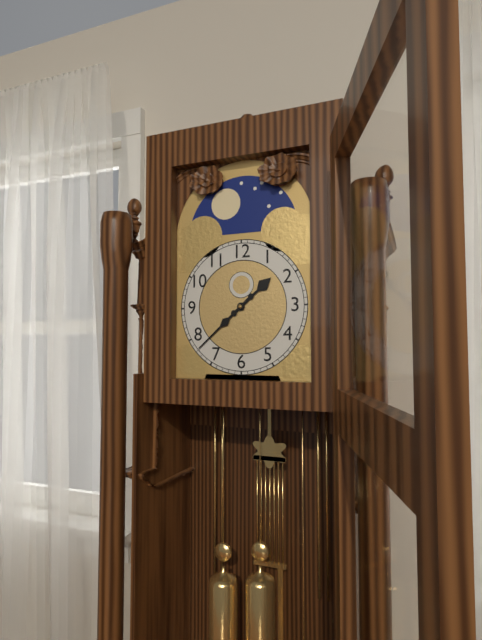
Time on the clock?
1:38
